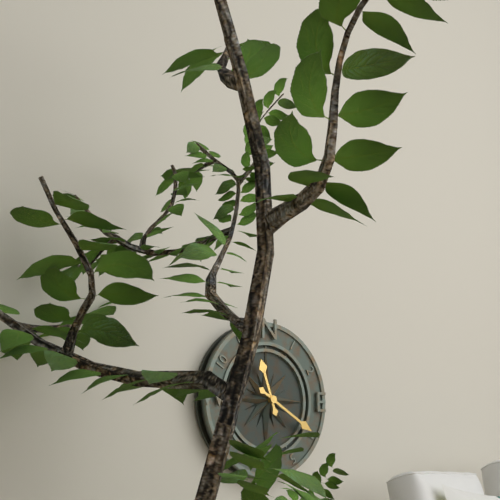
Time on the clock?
11:20
